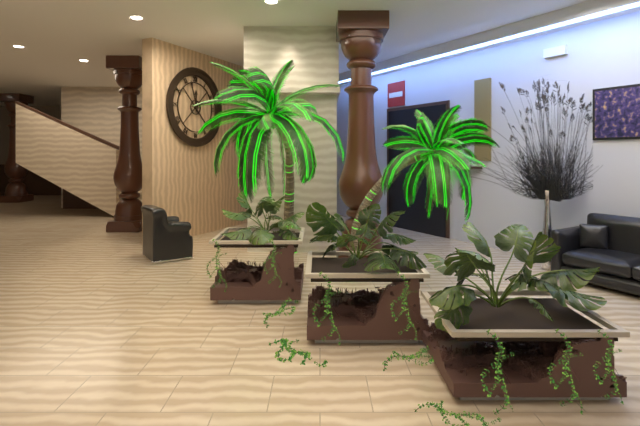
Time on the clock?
11:57
